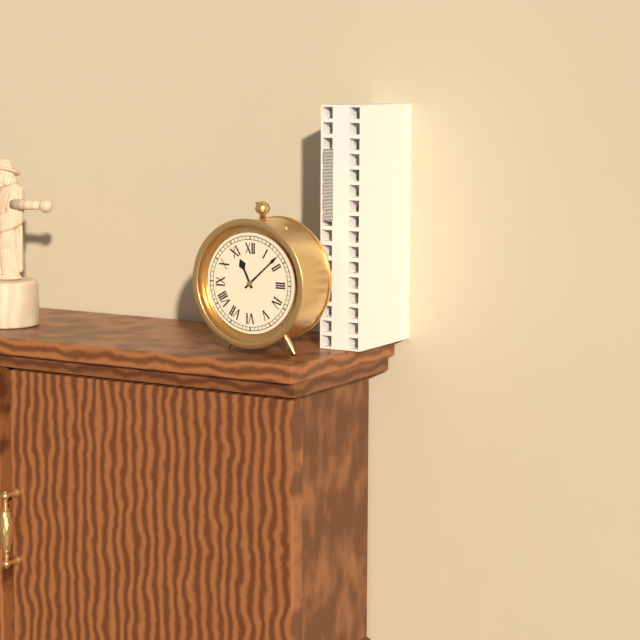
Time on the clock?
11:08
